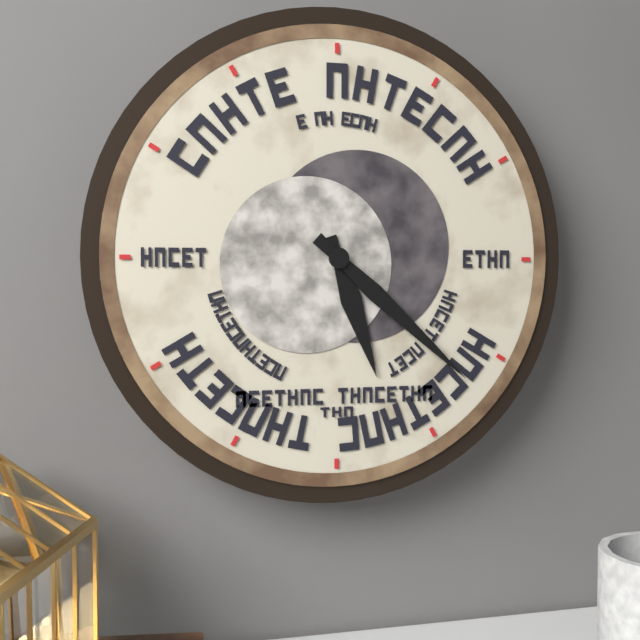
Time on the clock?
5:22
